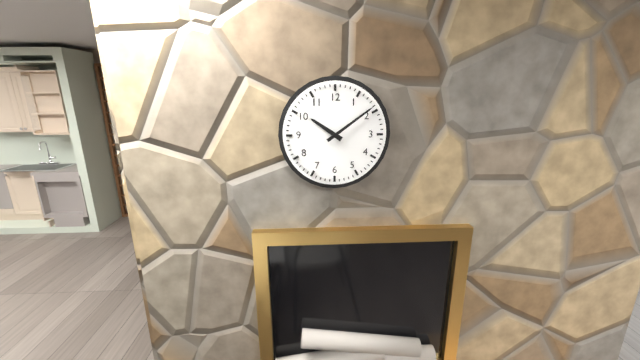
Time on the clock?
10:09
